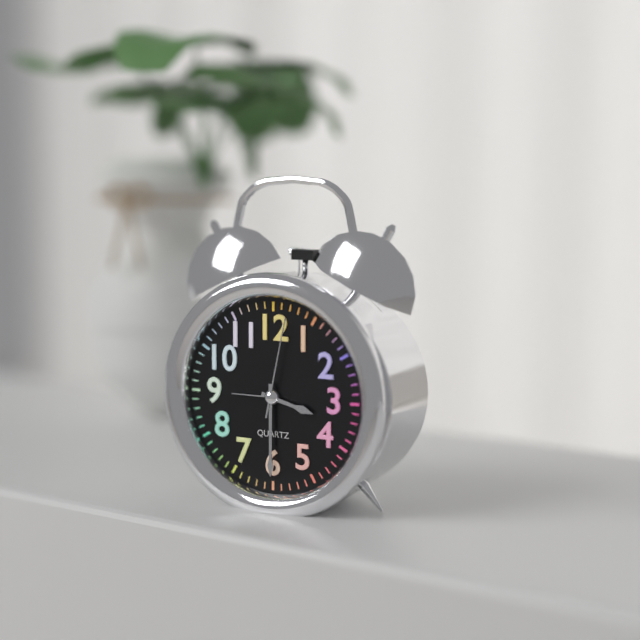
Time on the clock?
3:30:02
